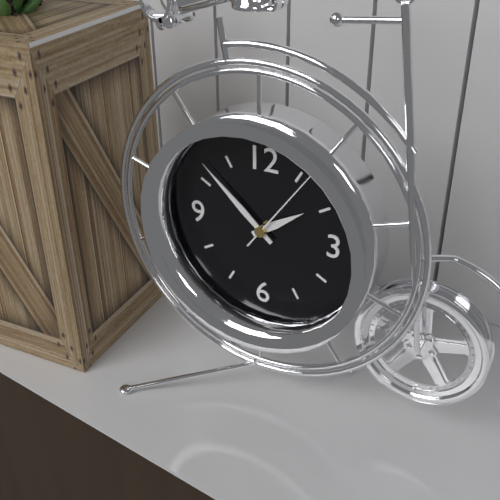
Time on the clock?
1:52:06
